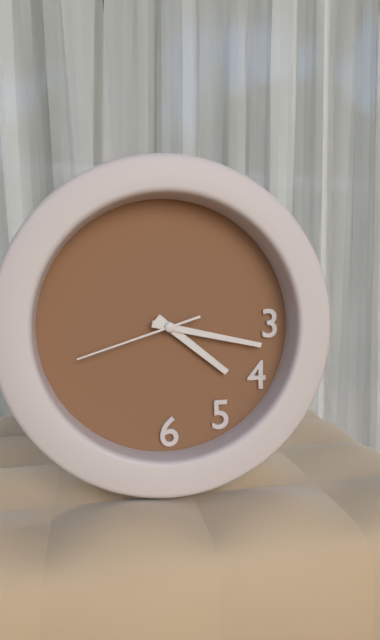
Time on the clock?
4:17:42
